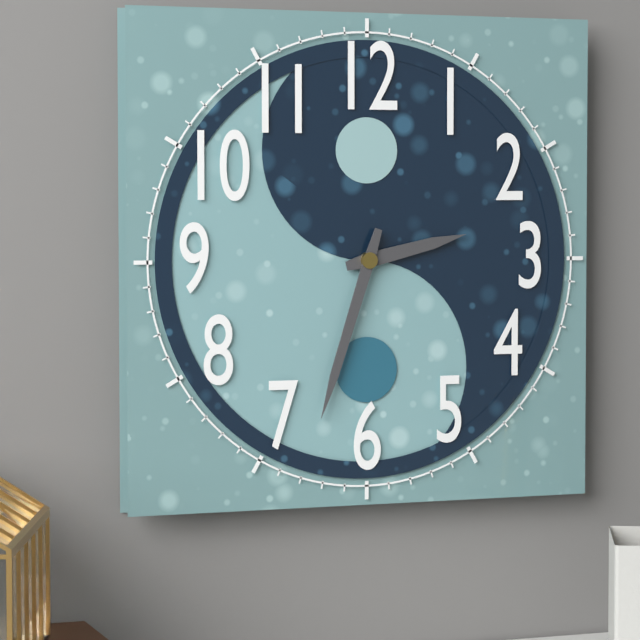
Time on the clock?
2:33
